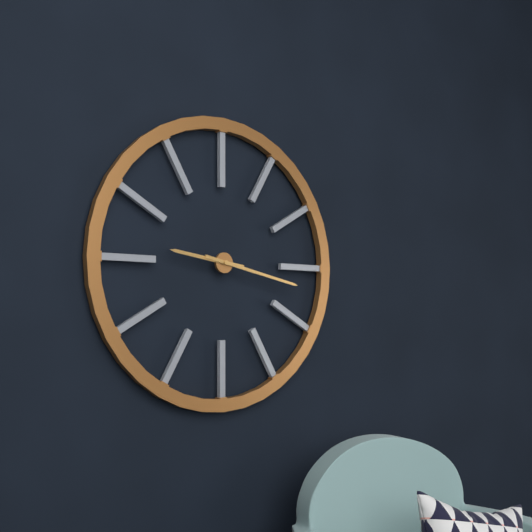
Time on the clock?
9:17
